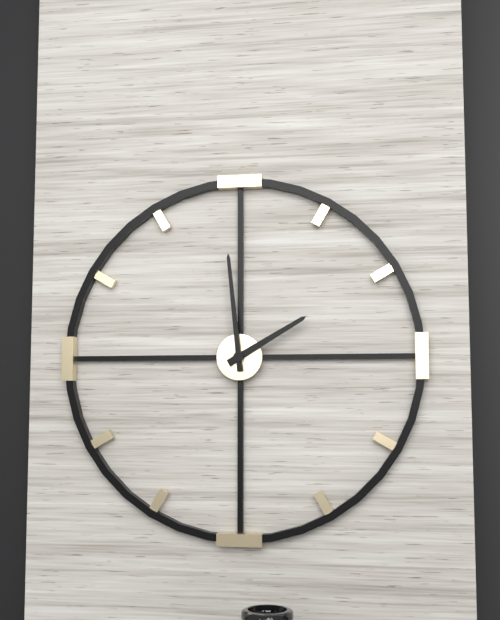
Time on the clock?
1:59
